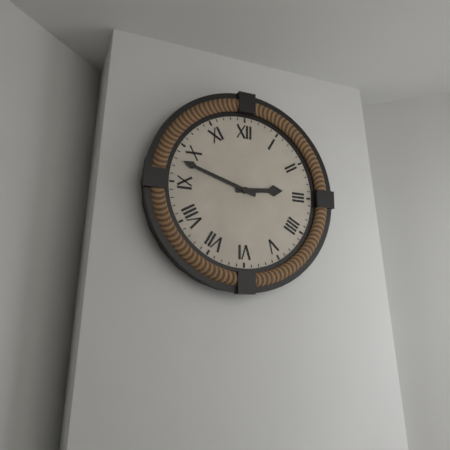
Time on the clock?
2:48
